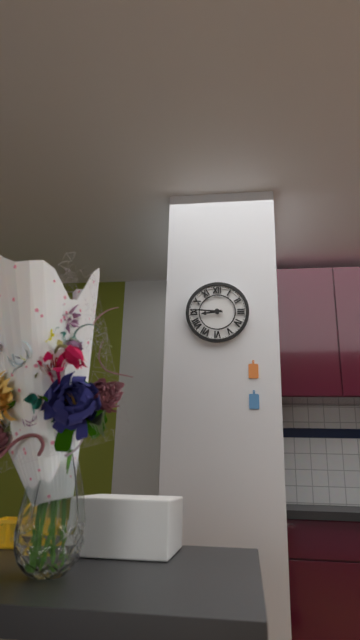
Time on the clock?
8:46
